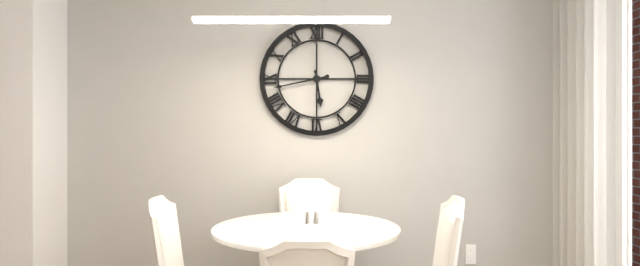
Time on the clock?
5:43
